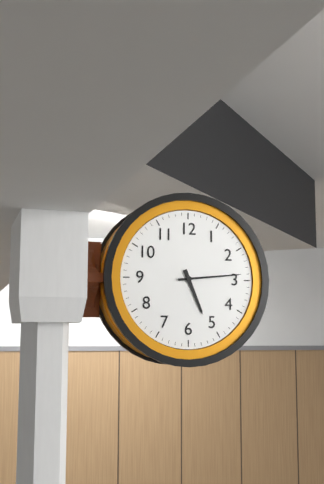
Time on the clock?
5:14
